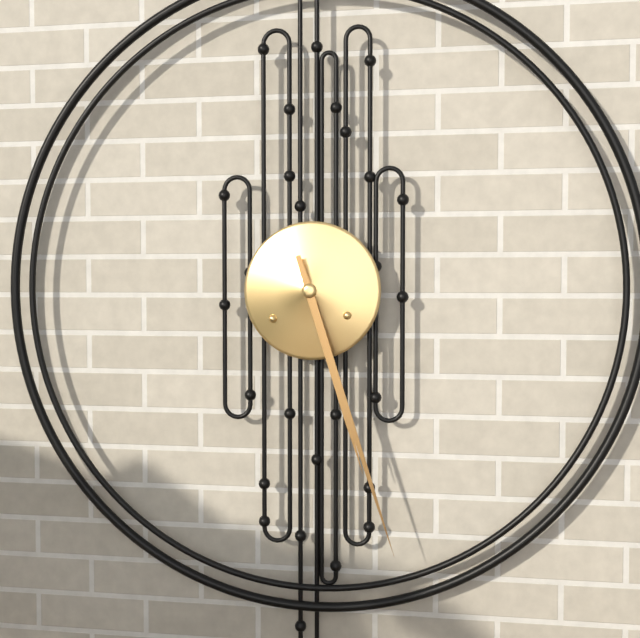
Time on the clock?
5:27
